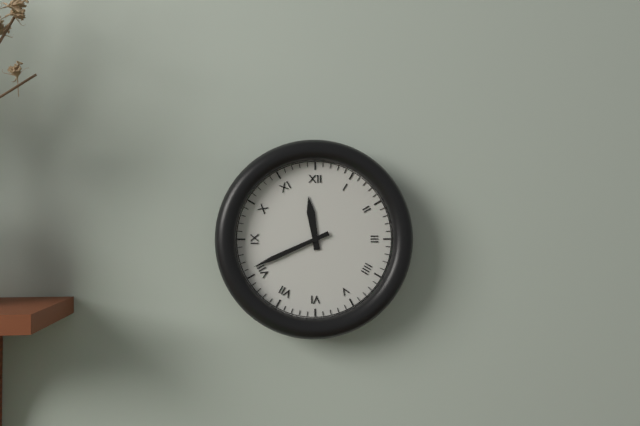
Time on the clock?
11:41
